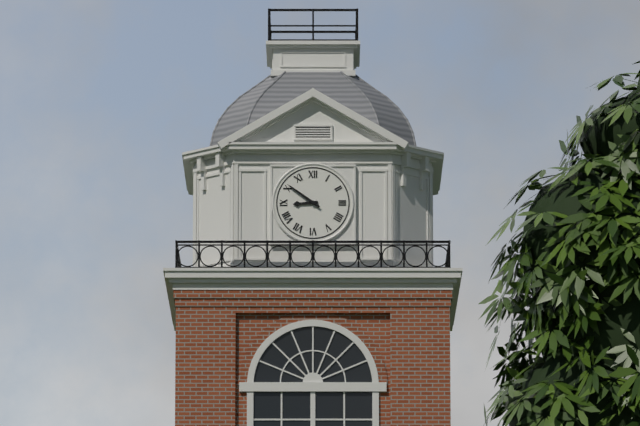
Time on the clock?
8:51
